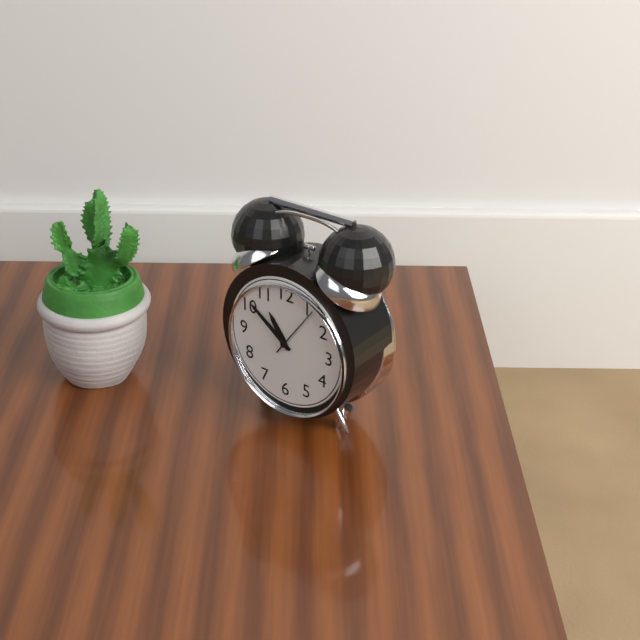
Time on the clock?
10:51:06
